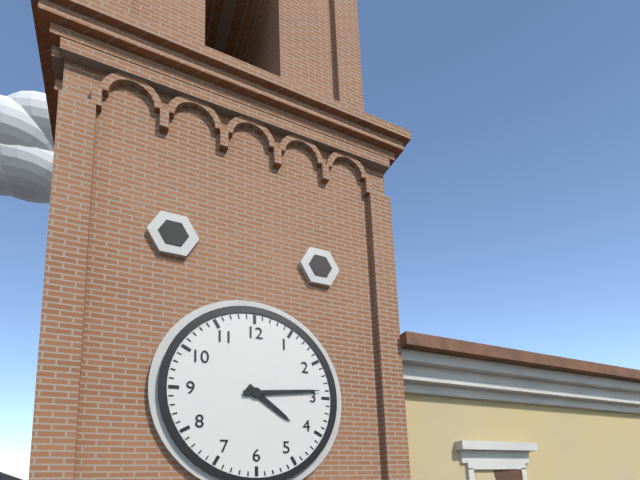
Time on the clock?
4:14
